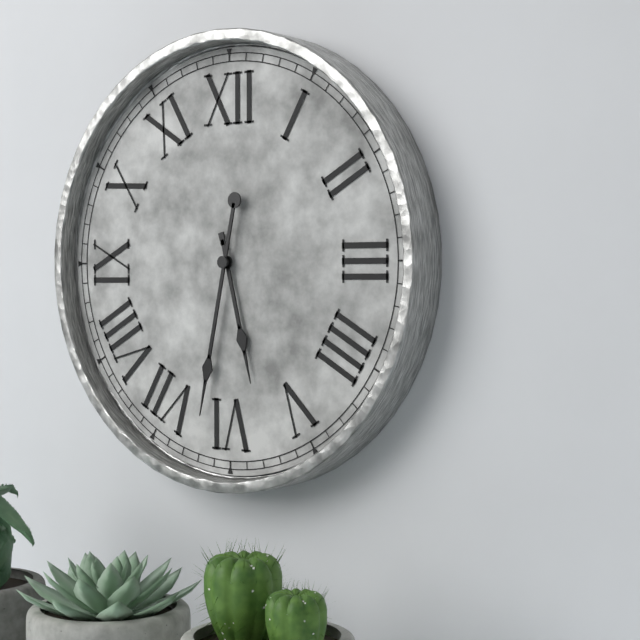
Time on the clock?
5:32
